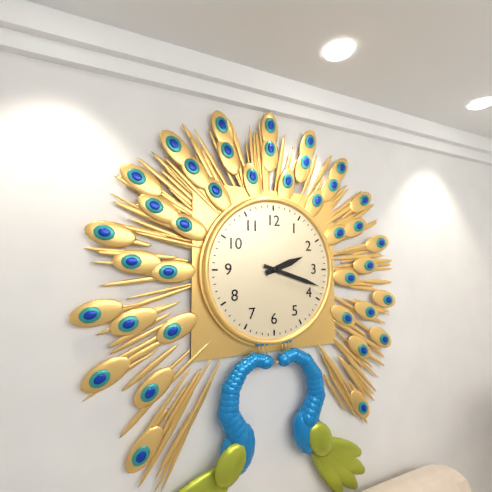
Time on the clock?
2:18
